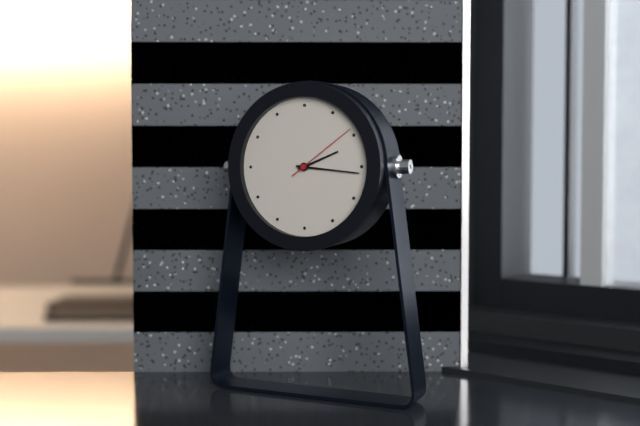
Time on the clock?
2:16:09
